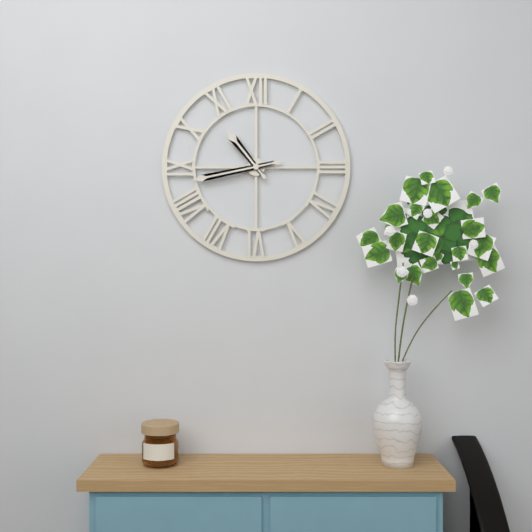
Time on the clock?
10:43
